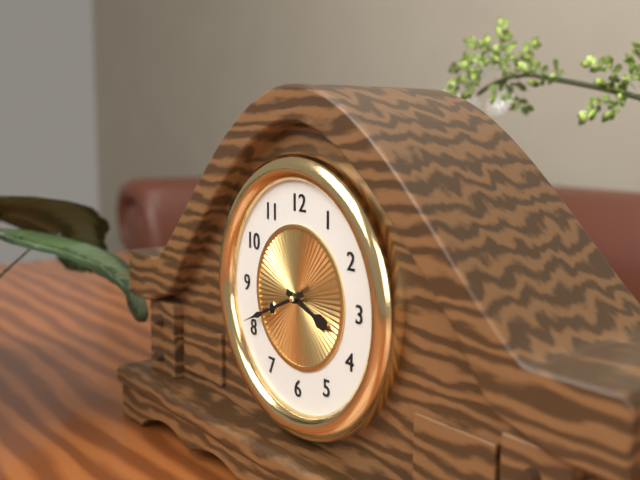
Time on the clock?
3:41
